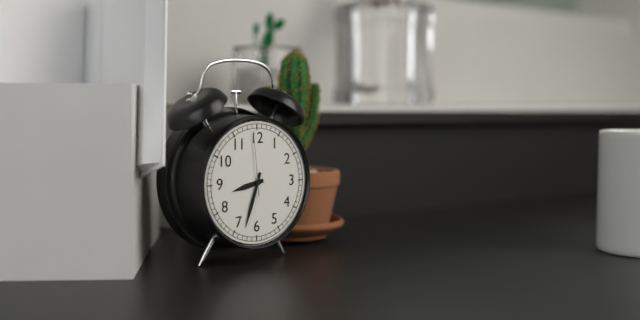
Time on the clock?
8:33:59
